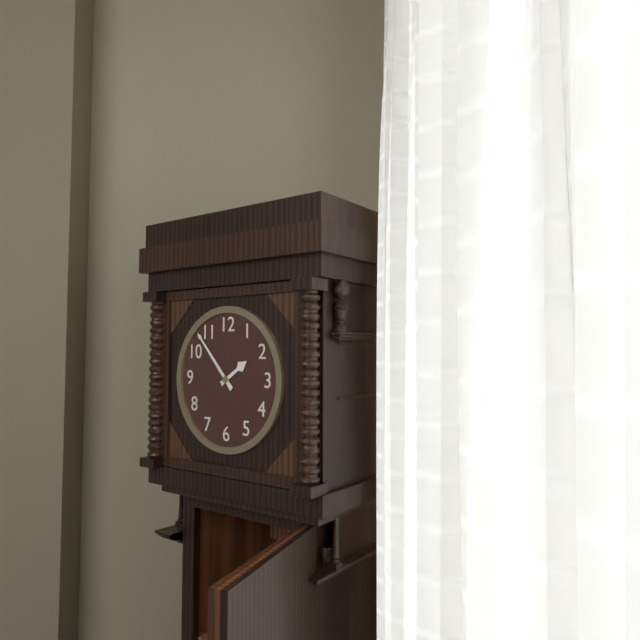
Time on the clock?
1:53
